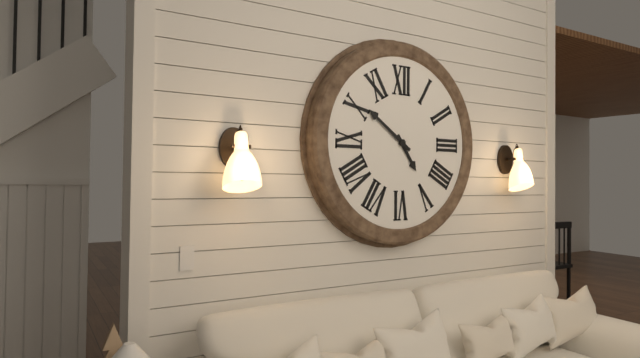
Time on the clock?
4:51
